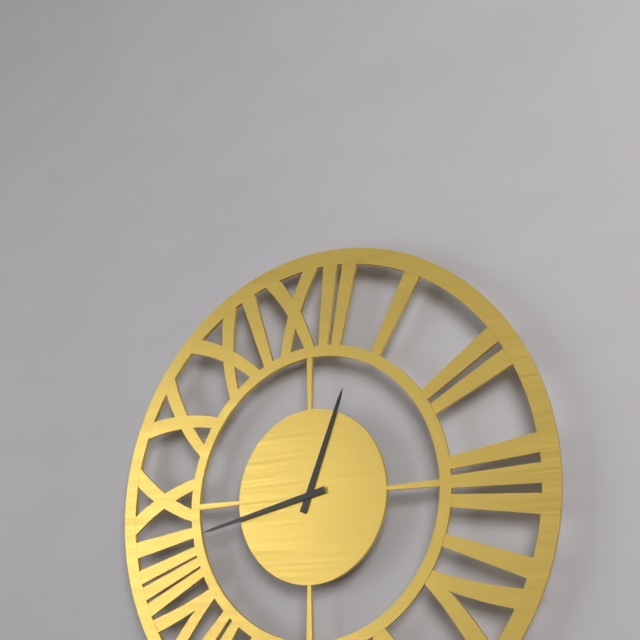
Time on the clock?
12:43
